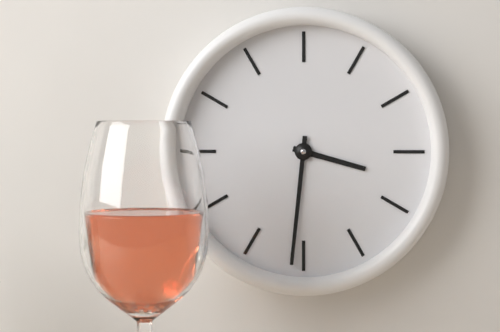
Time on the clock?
3:31
